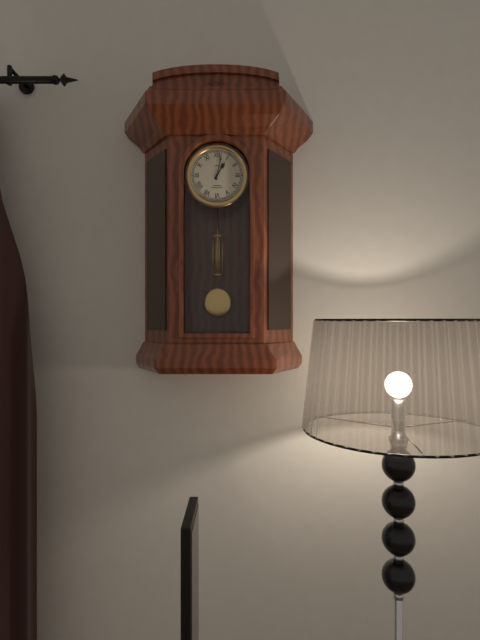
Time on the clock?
1:02
